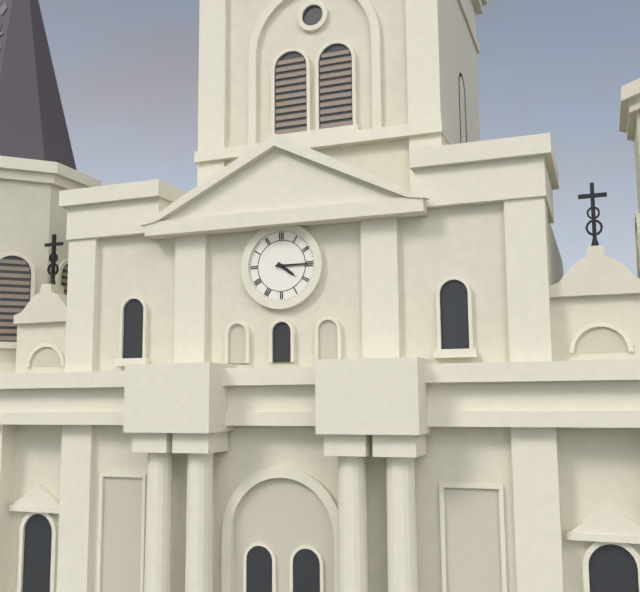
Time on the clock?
4:15
